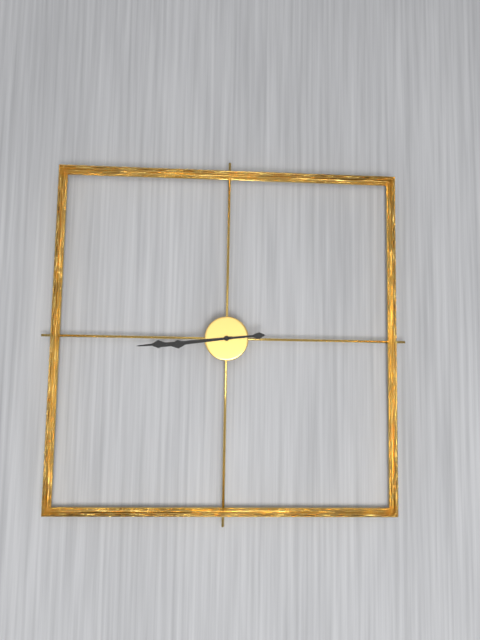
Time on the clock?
8:44
